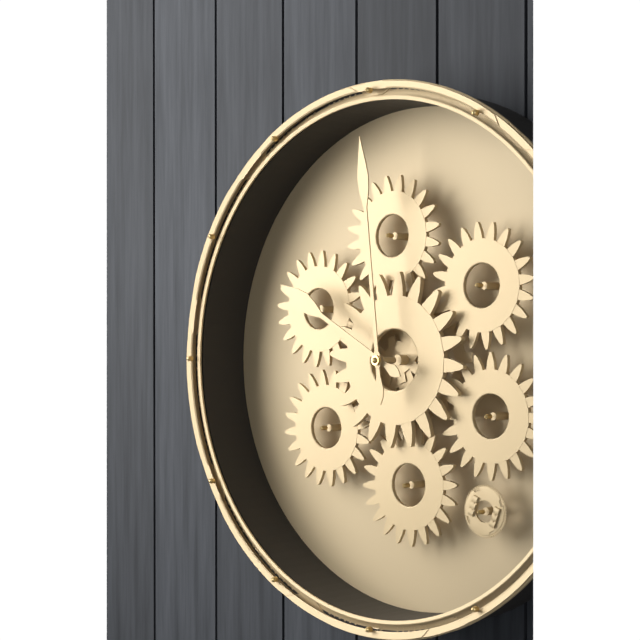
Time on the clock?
9:59
